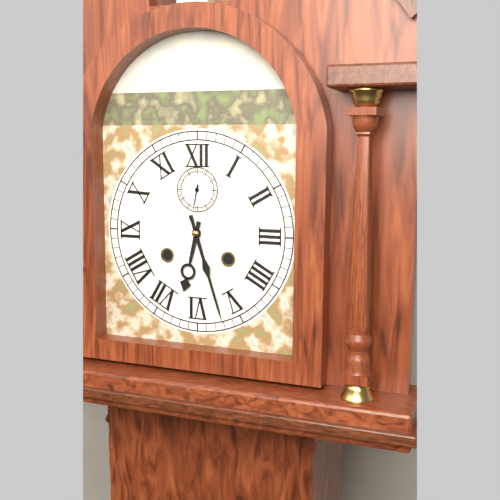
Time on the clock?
6:27
